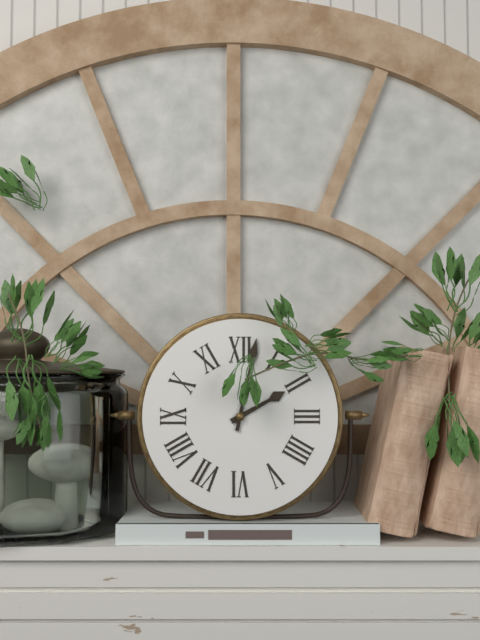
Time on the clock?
2:02
